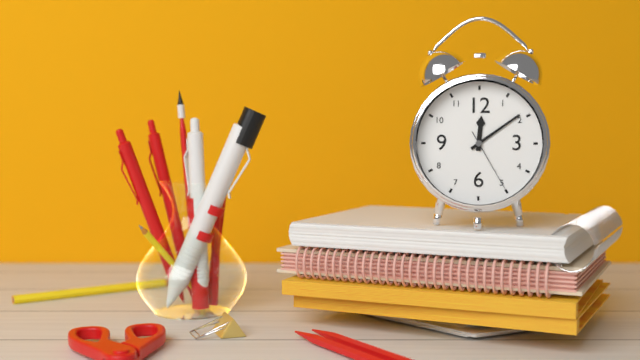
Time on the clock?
12:09:25
